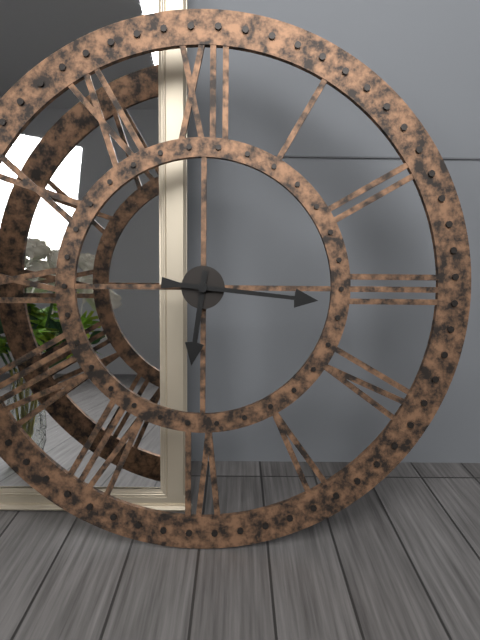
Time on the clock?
6:16
